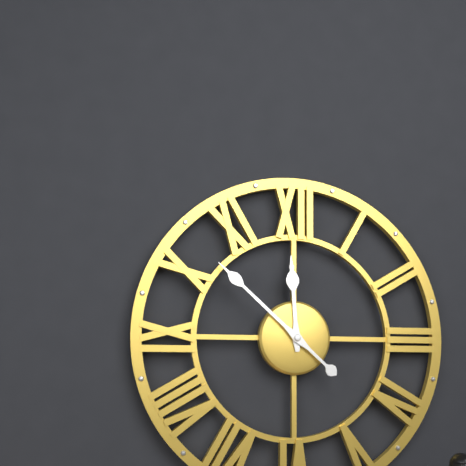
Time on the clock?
11:52
